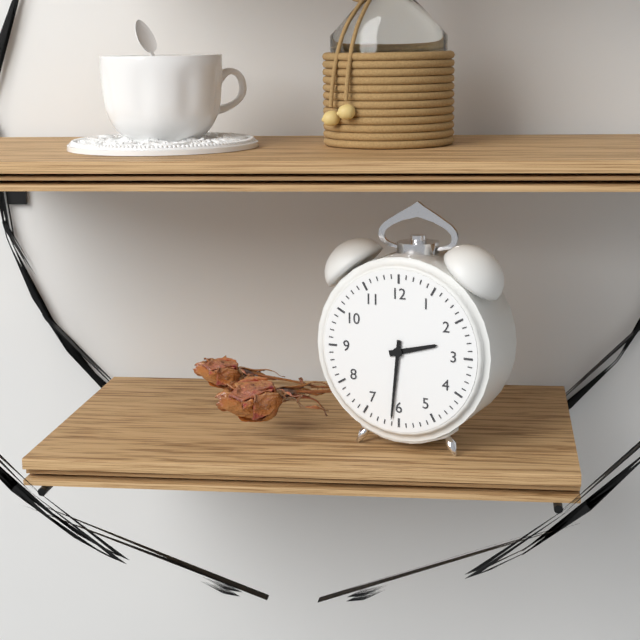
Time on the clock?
2:31
